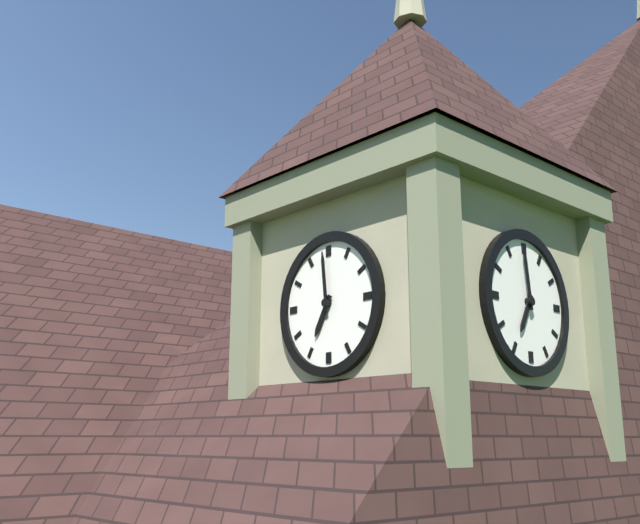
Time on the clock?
6:59
